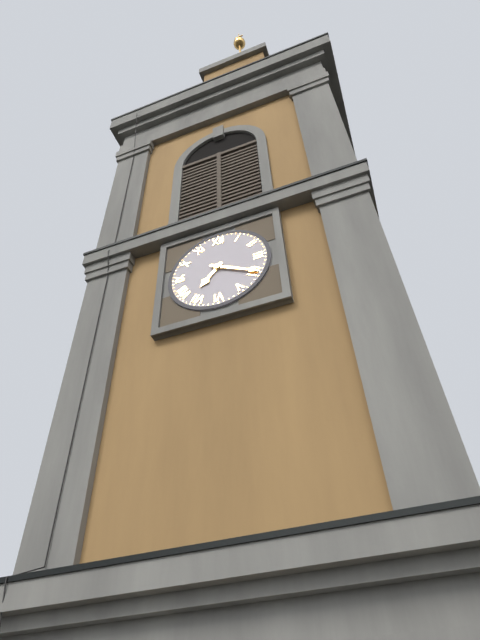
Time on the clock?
7:20
